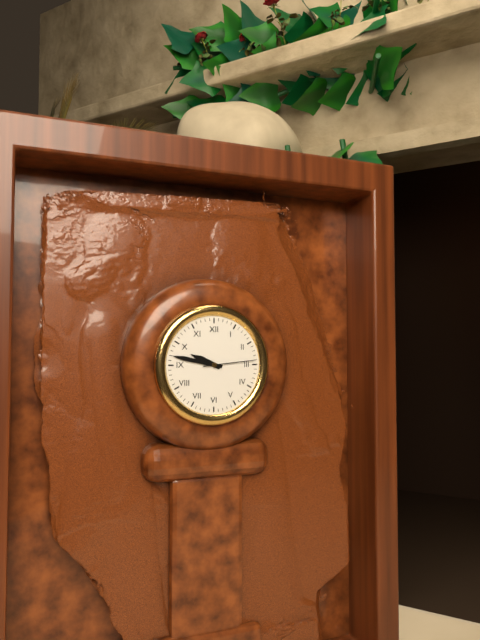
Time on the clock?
9:47:14
